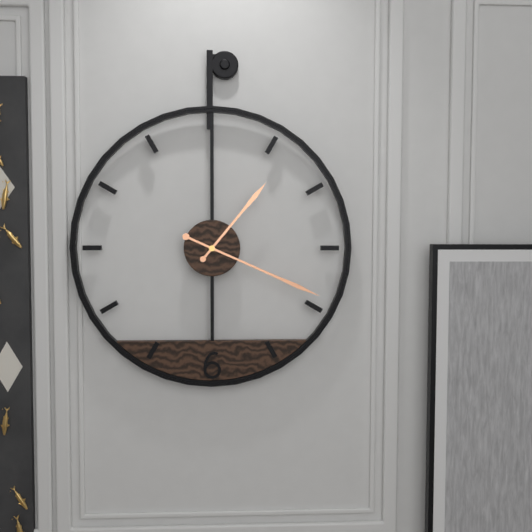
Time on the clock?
1:19
